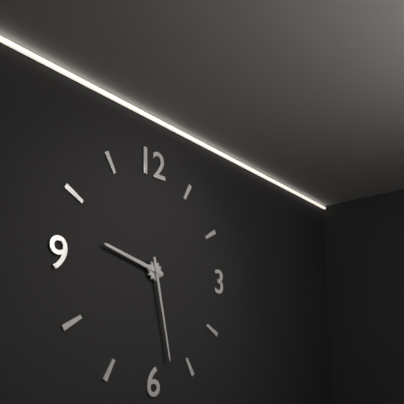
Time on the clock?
9:28
